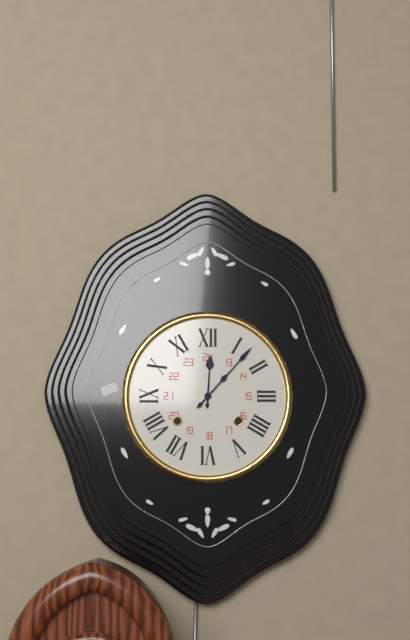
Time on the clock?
12:07
